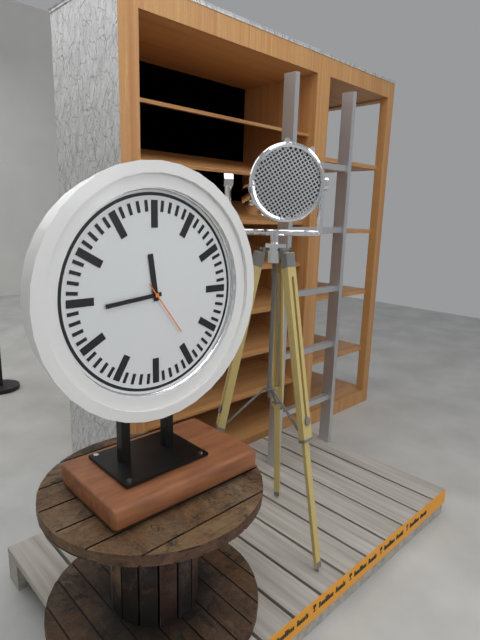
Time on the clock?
11:44:24
